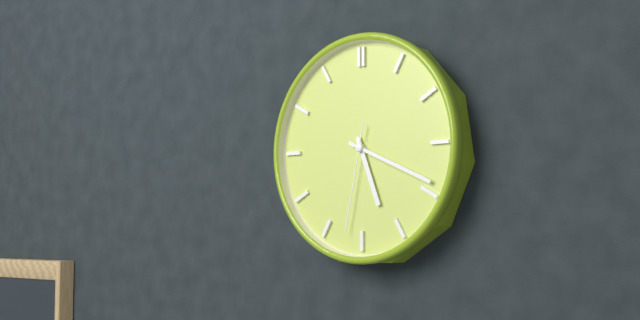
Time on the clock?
5:19:32
